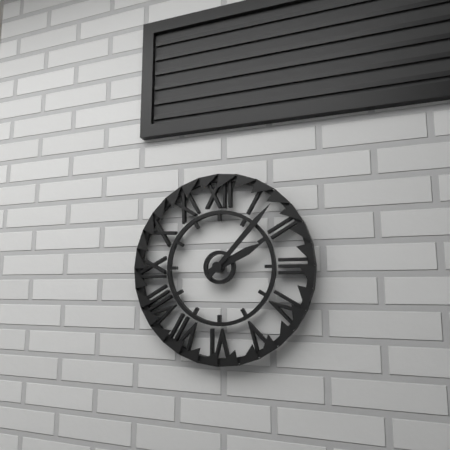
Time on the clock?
2:07
